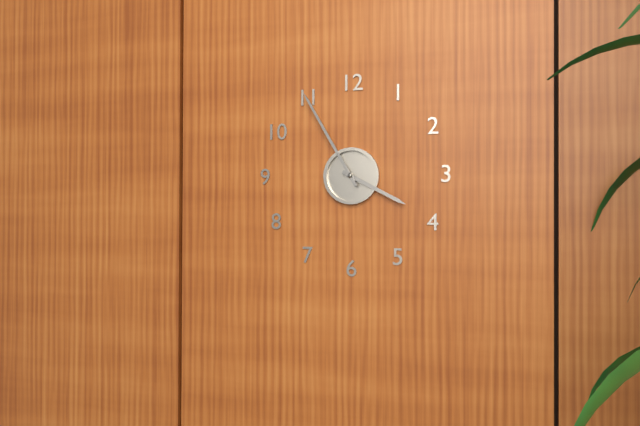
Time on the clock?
3:55
